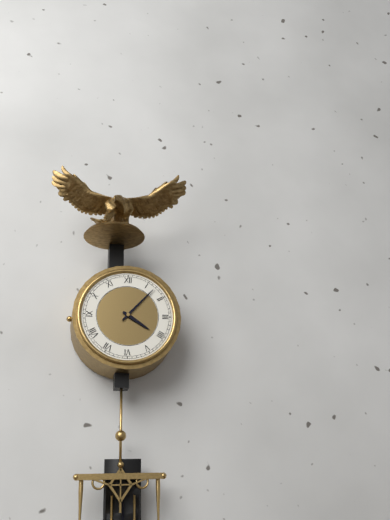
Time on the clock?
4:07
